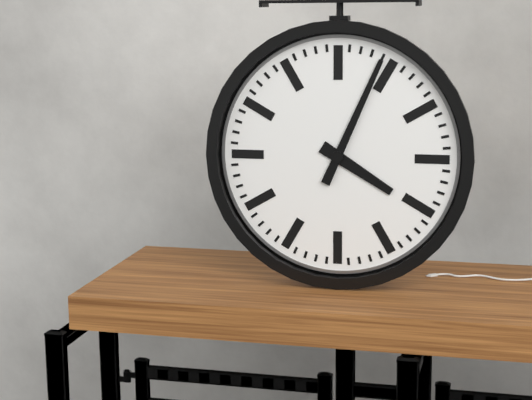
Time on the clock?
4:04
